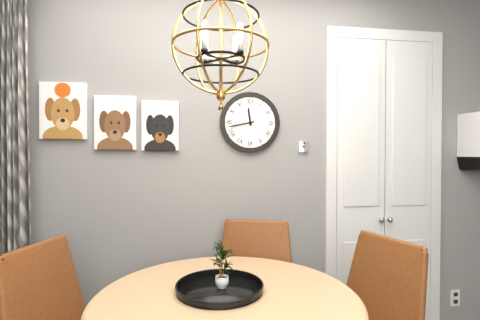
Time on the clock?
11:43
